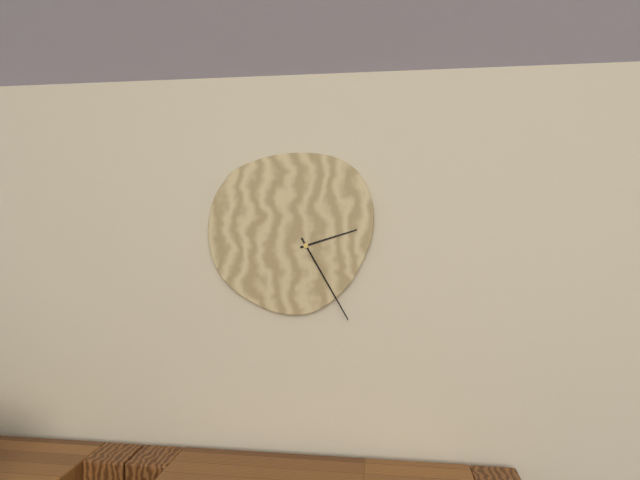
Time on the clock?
2:25
